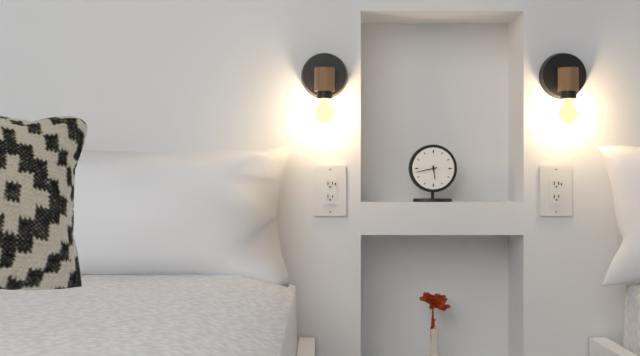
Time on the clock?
5:43
